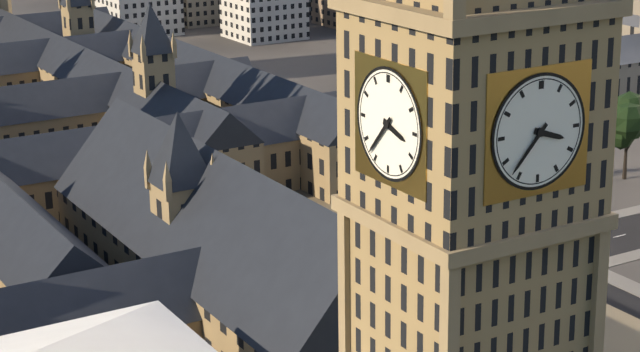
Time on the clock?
3:37
